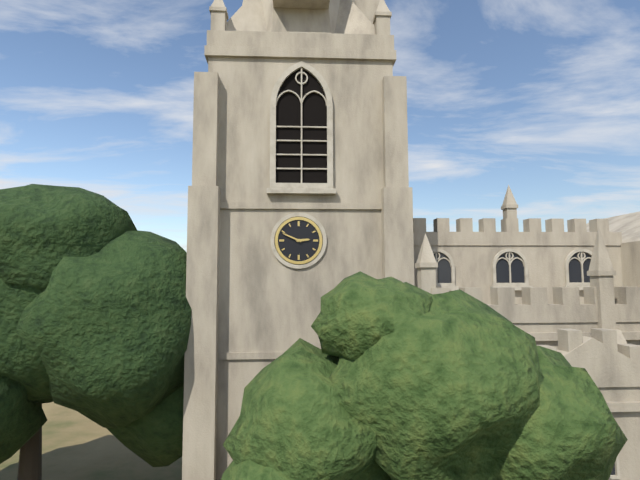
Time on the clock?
2:49
